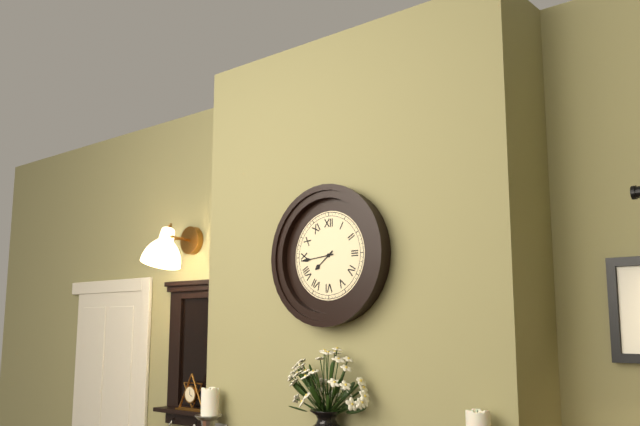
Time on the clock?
7:44
